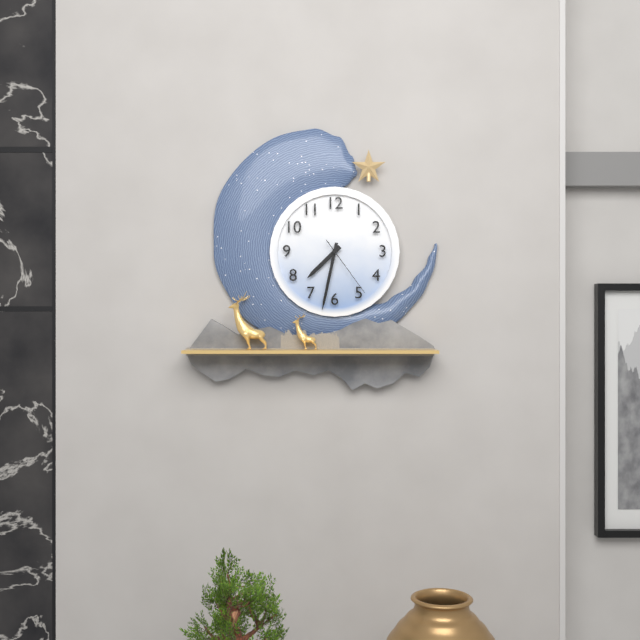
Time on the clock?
7:32:24
